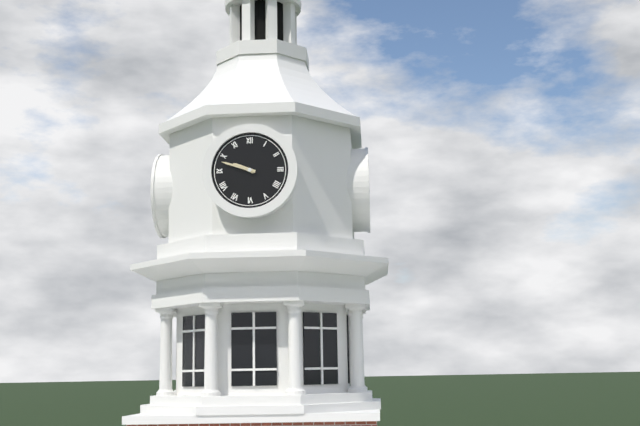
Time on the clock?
9:48
